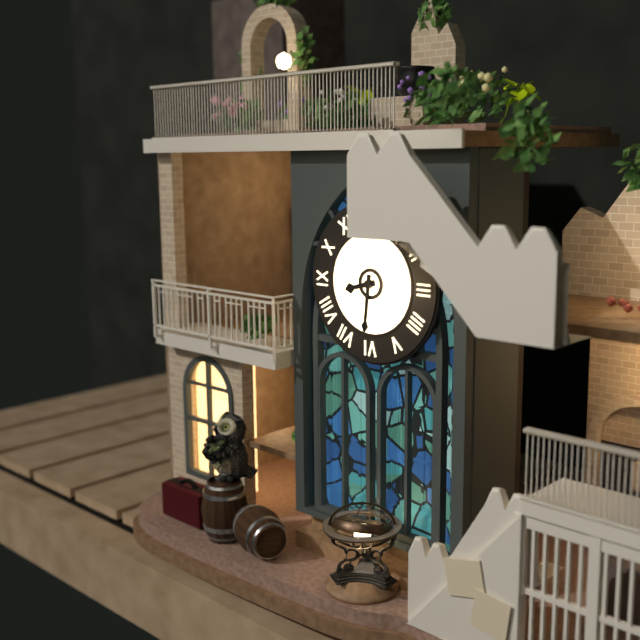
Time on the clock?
8:31
